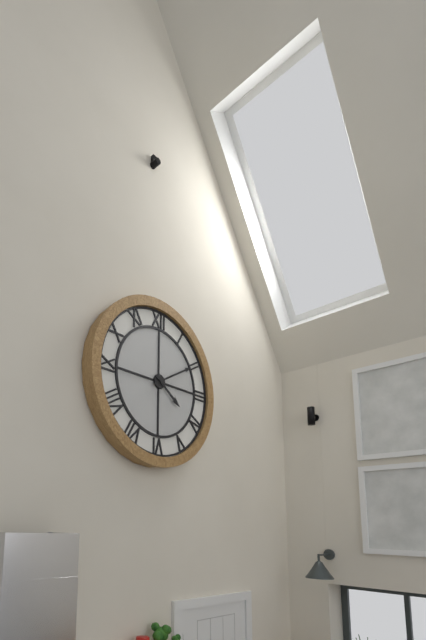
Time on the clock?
4:10
